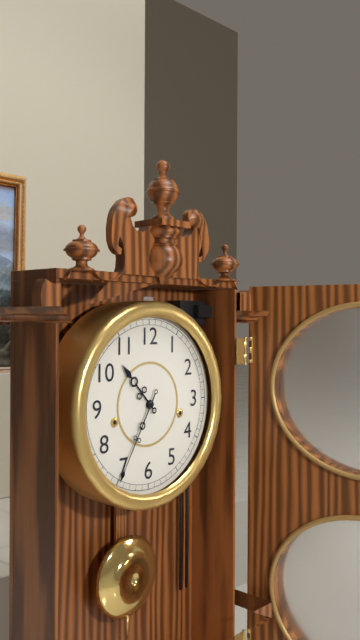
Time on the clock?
10:35
